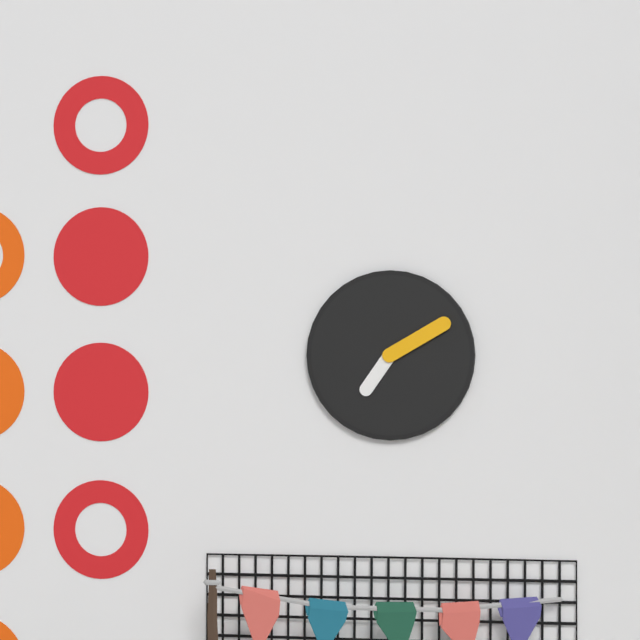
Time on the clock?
7:10
